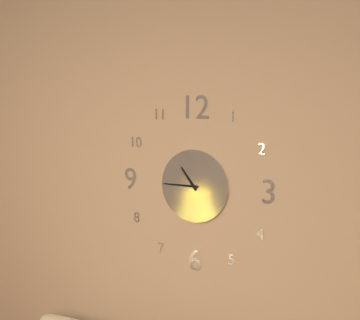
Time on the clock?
10:45
